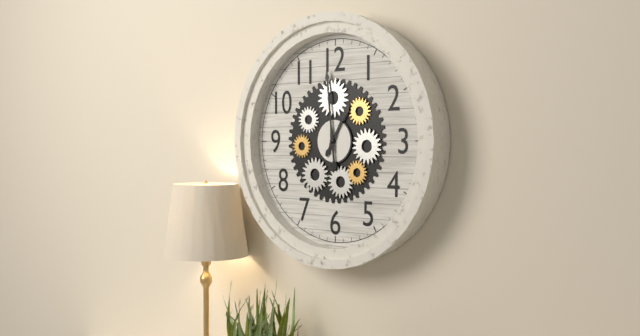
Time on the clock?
12:59
